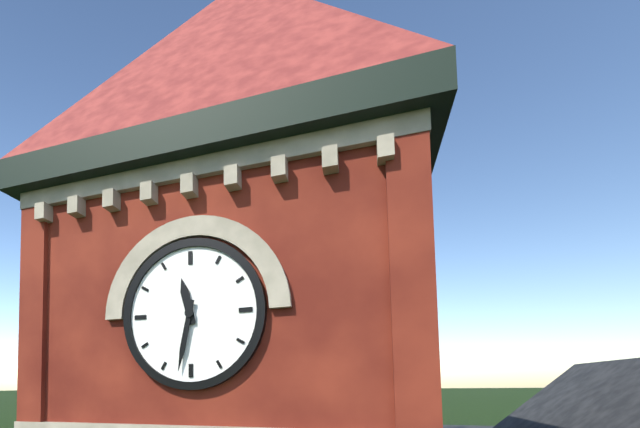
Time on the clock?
11:32
